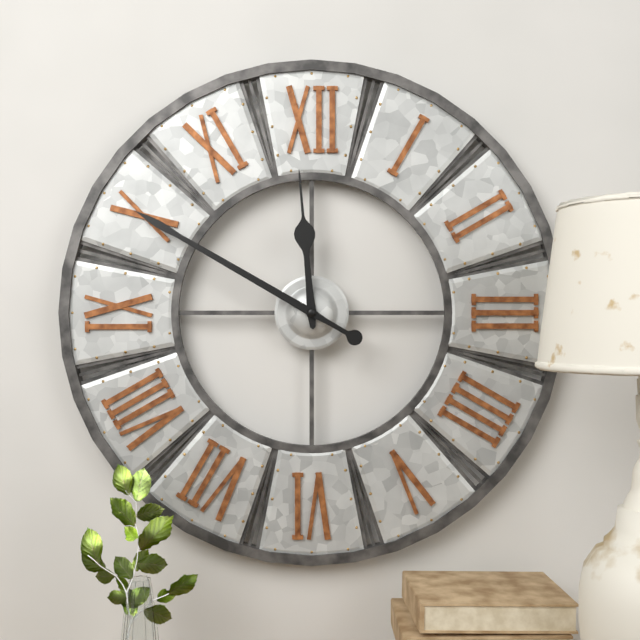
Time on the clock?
11:50
